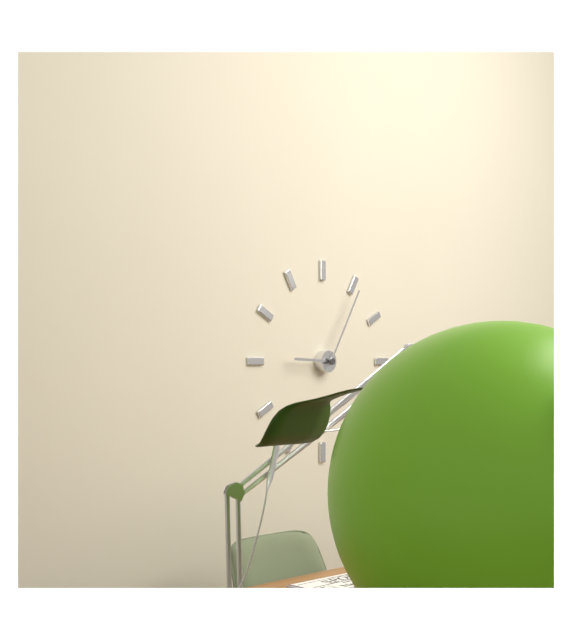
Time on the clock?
9:05
